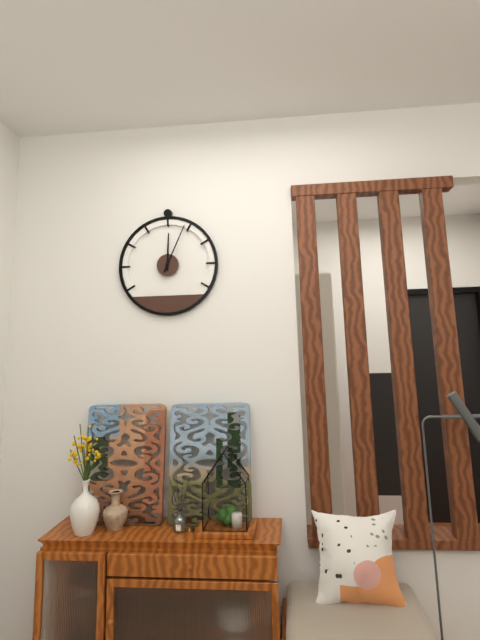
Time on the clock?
12:04
